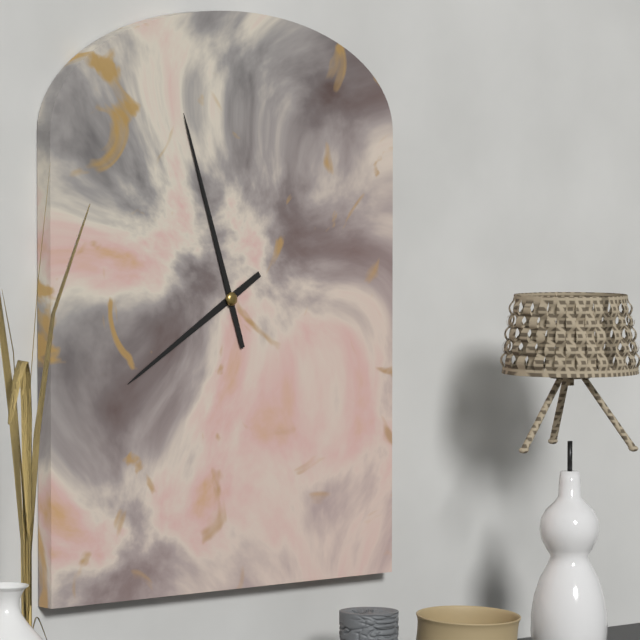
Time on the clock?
7:57
